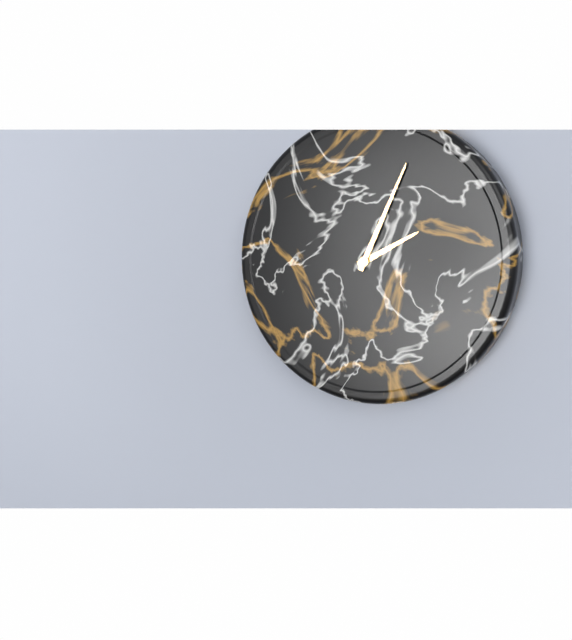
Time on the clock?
2:04
